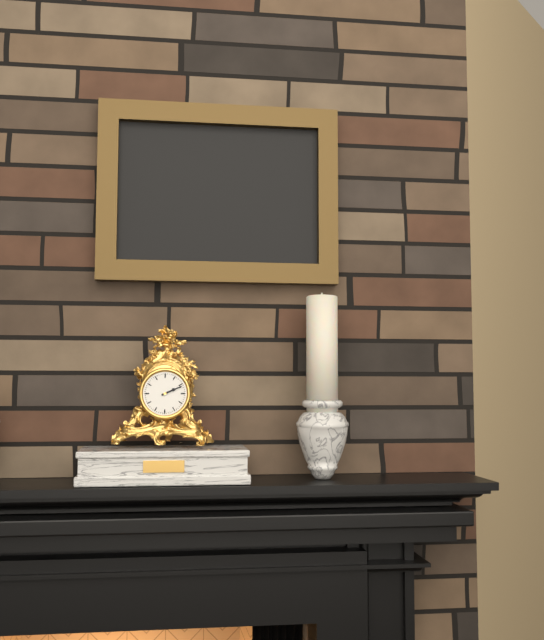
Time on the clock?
2:11
